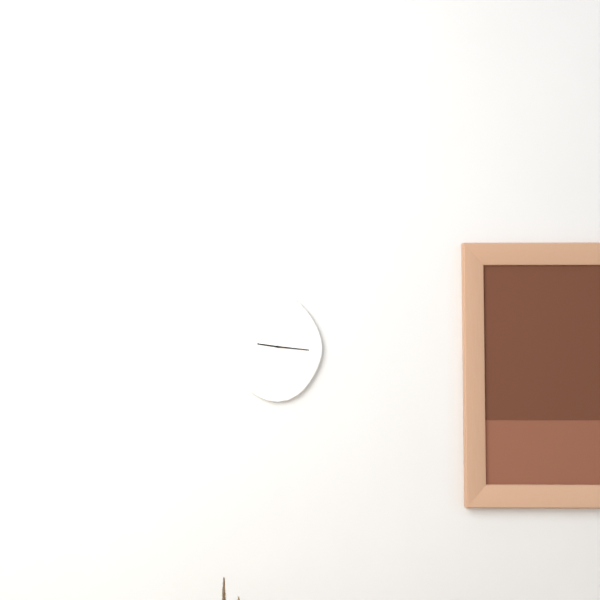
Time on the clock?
9:16
